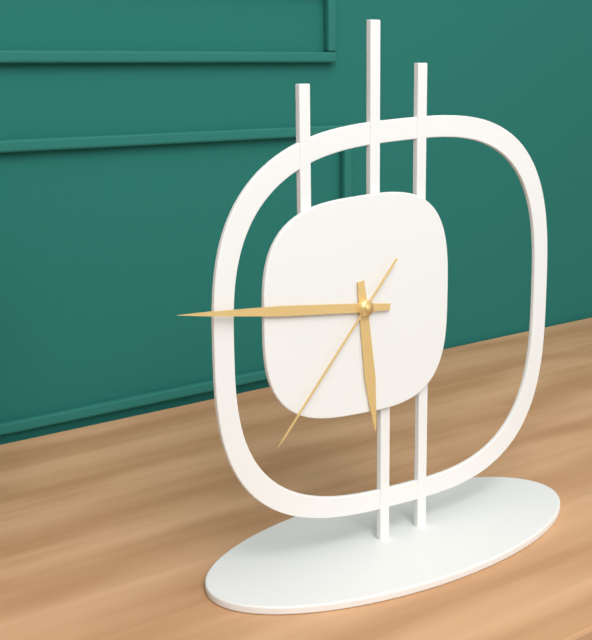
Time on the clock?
5:46:37
